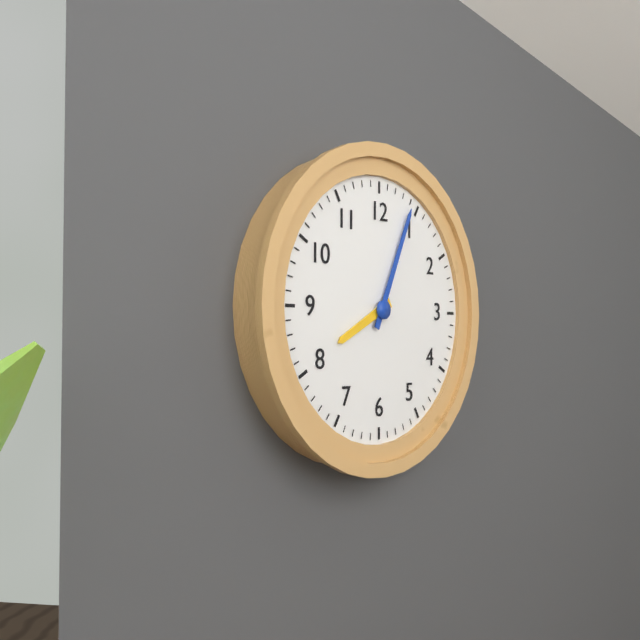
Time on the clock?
8:04
